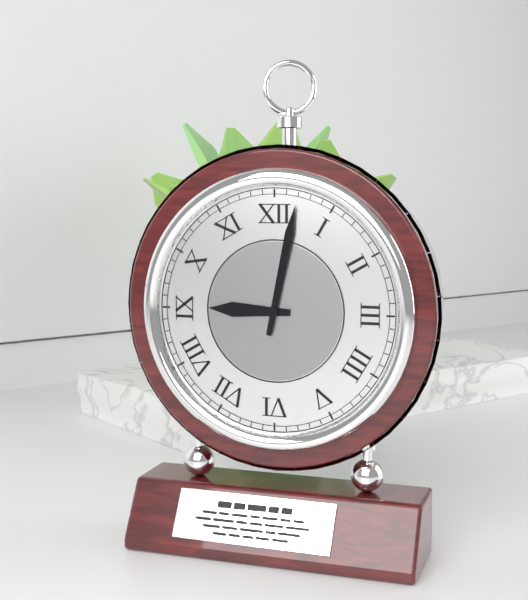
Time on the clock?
9:02
